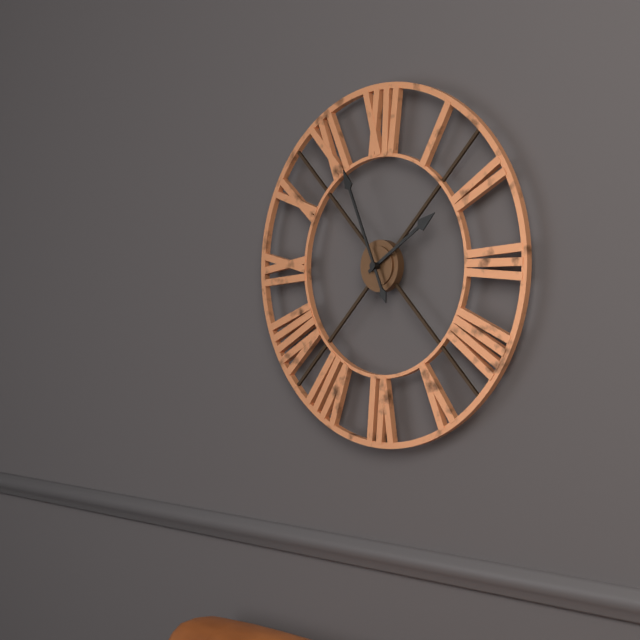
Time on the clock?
1:56
